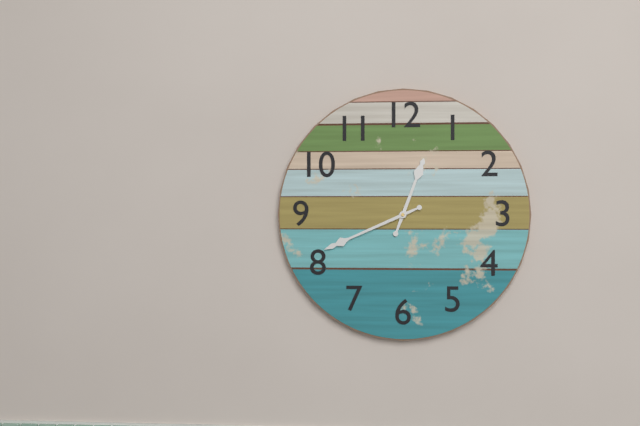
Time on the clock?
12:41
